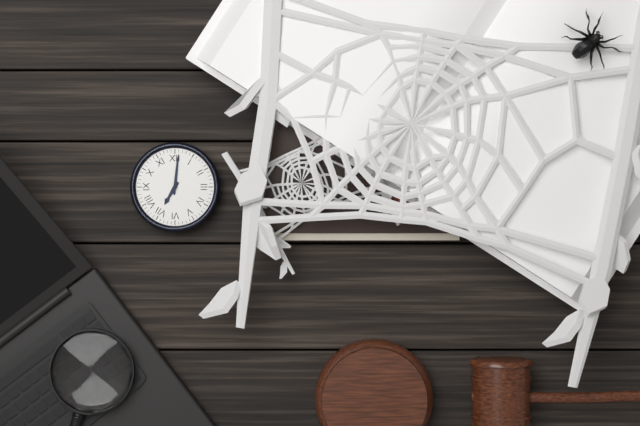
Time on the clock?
7:01
